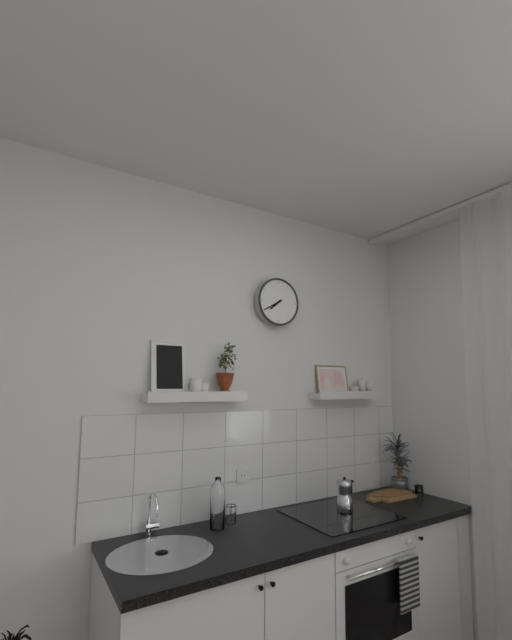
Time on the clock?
7:40
